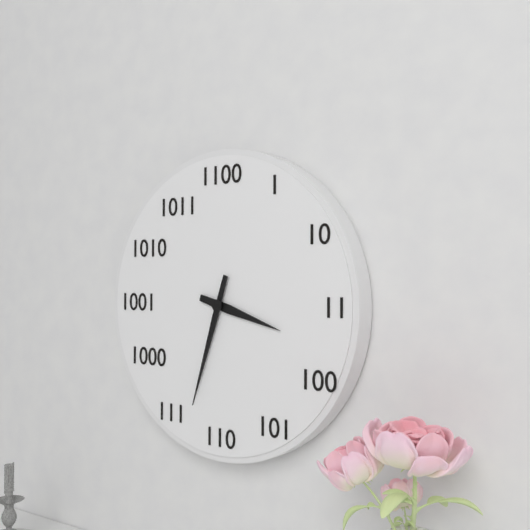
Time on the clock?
3:33
